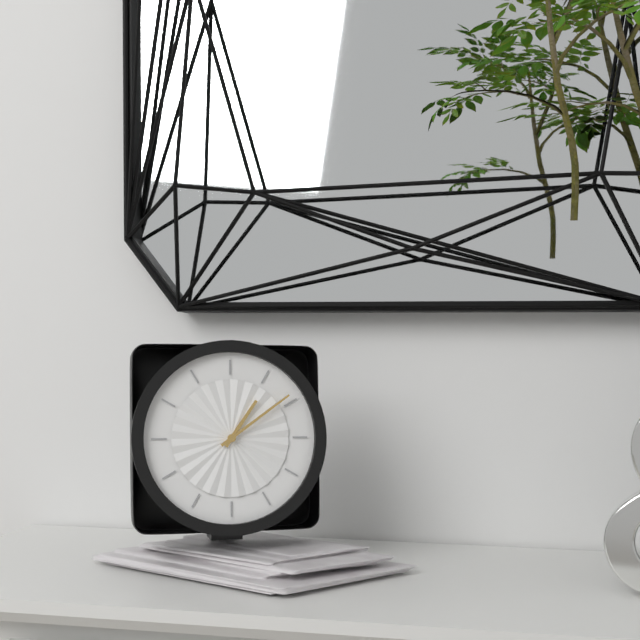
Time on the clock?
1:09
